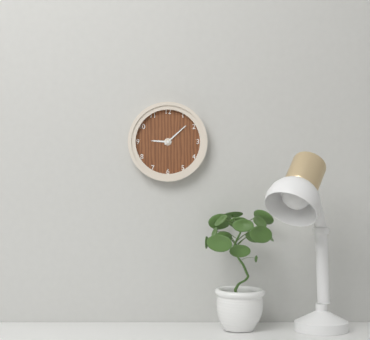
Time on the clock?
9:08
